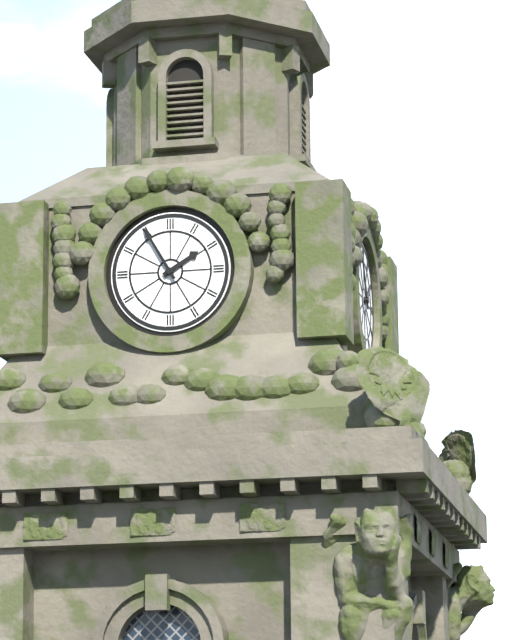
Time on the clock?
1:55
